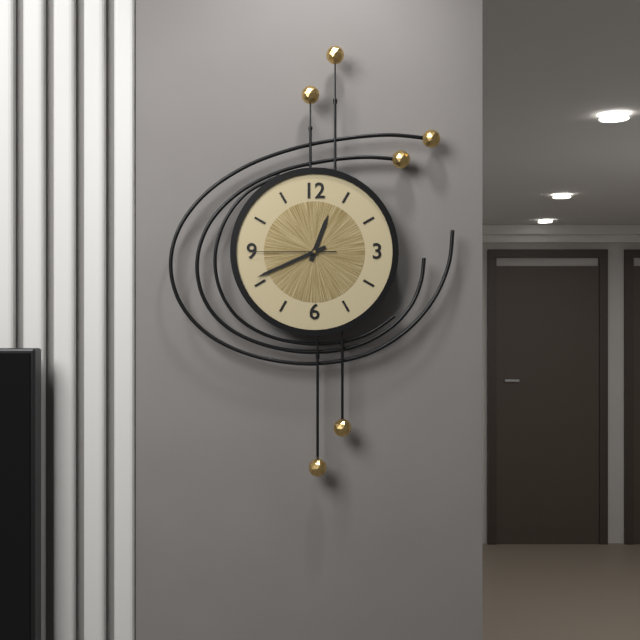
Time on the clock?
12:41:45
